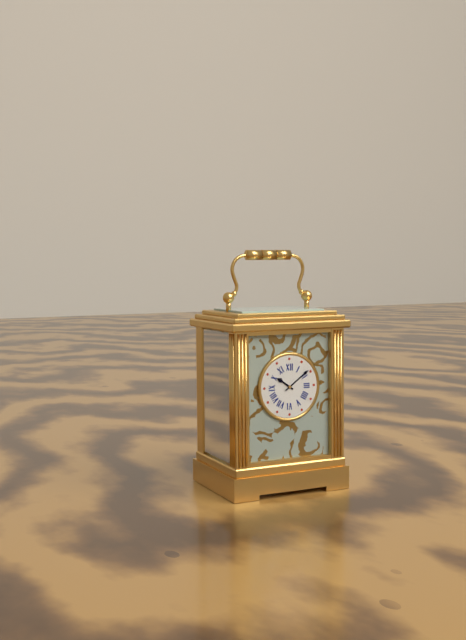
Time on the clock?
10:09
